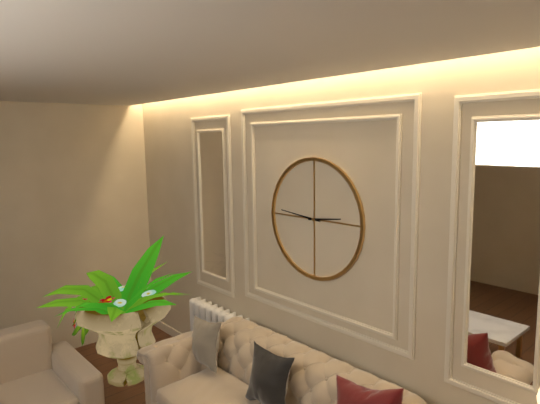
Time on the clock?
2:46
